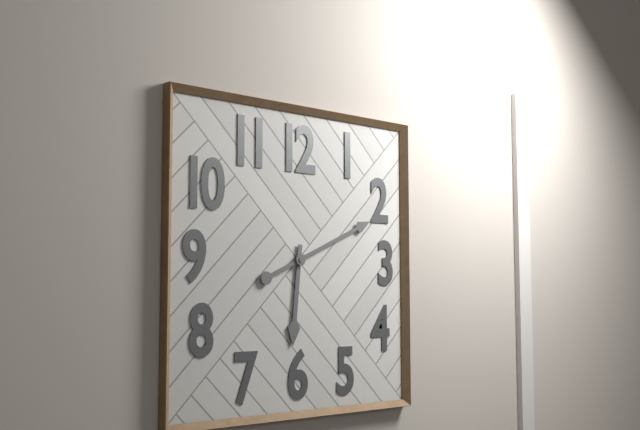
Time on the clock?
6:11
